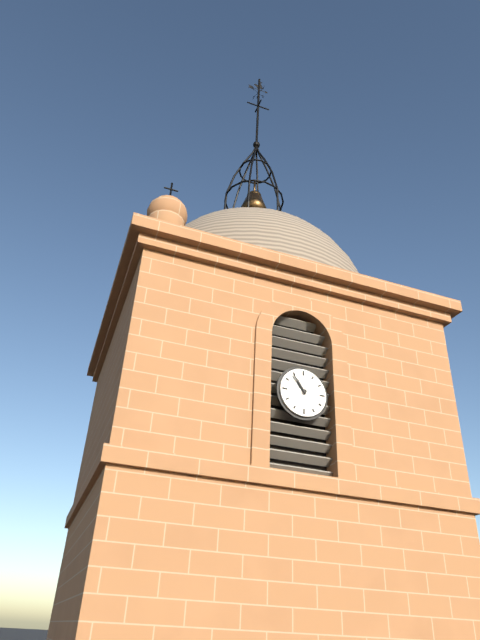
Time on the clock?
10:54
